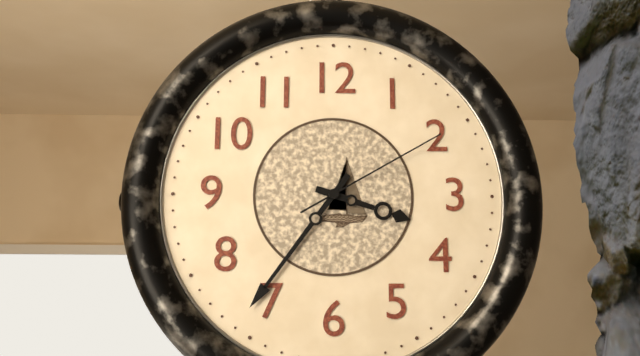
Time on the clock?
3:36:10
